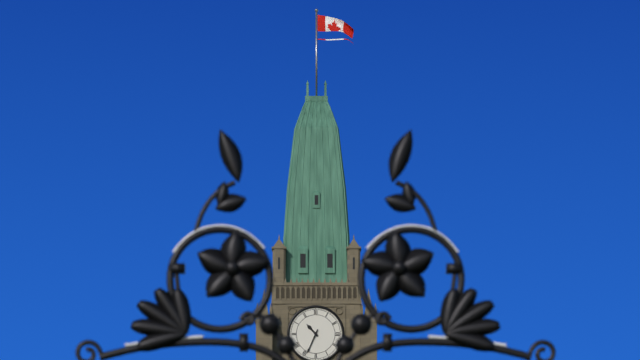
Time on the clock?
10:34
